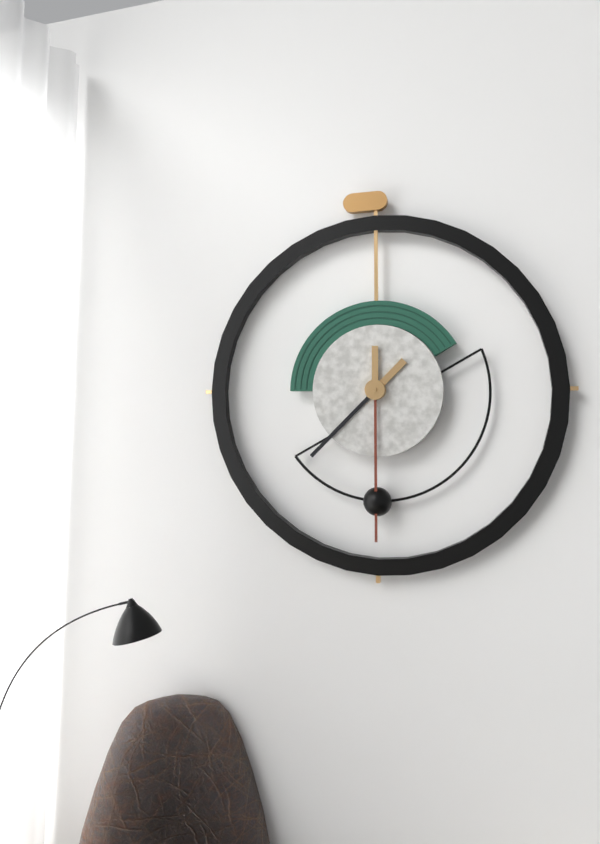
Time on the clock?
7:30
